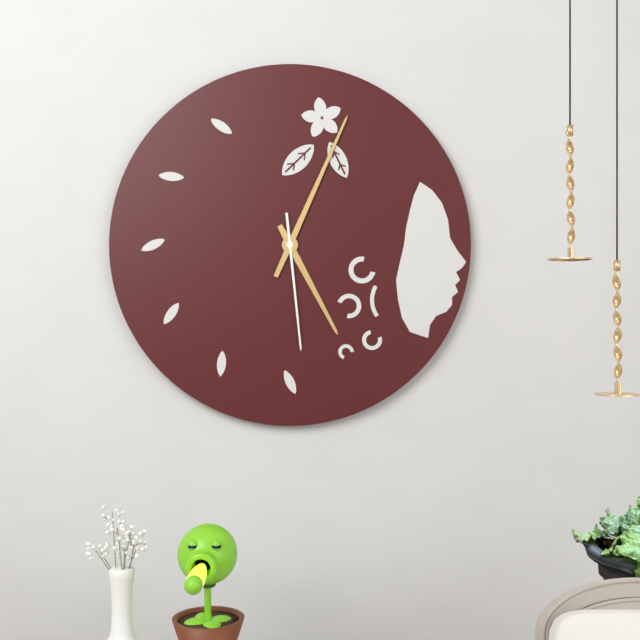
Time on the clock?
5:04:29
